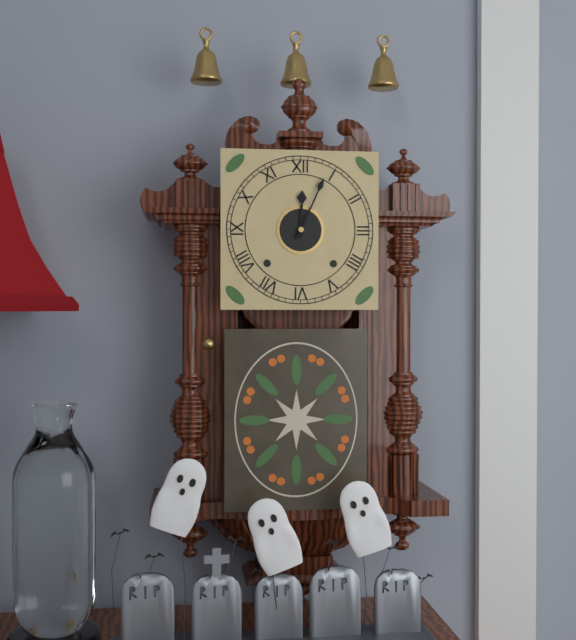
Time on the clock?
12:04
